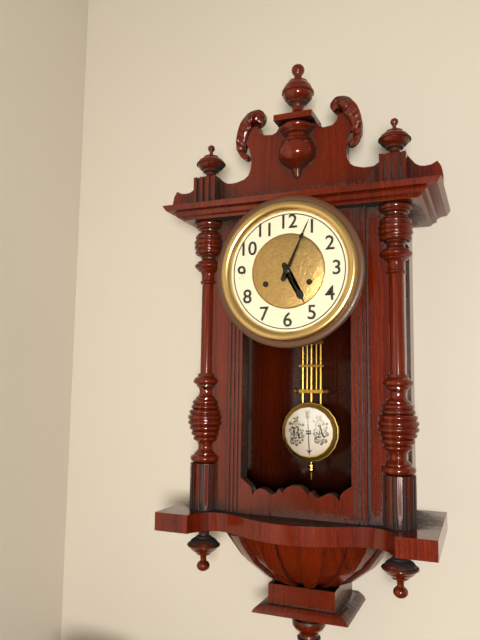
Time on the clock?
5:04
